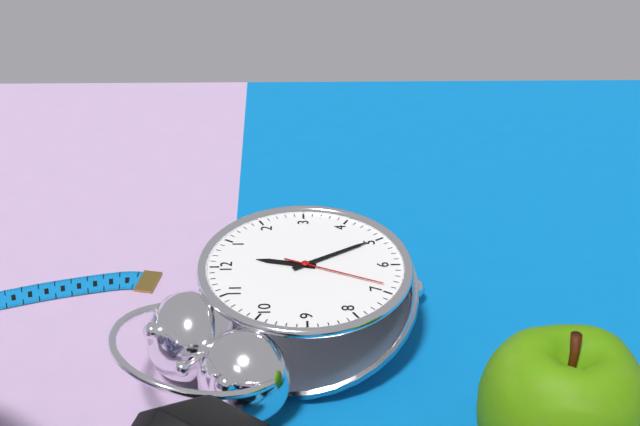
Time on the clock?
12:25:34
